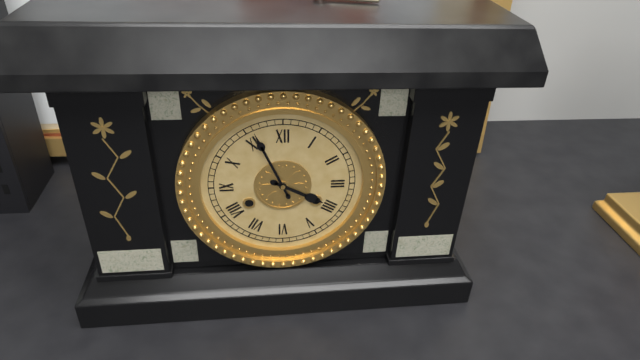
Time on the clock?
3:56
